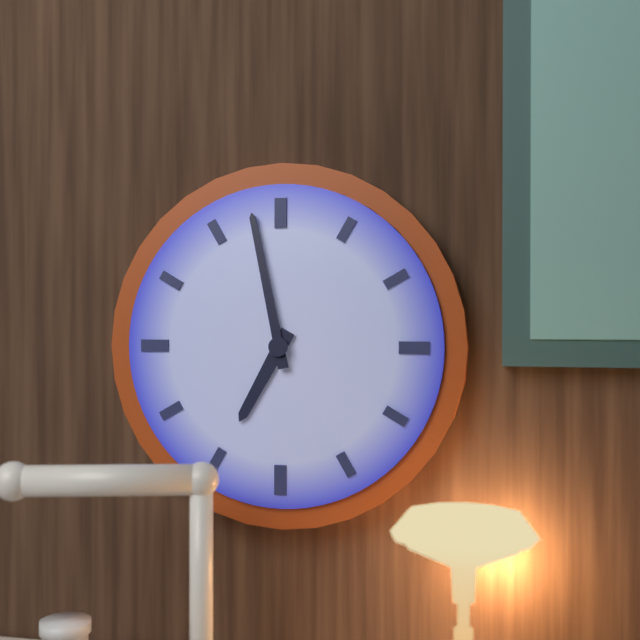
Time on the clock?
6:58
